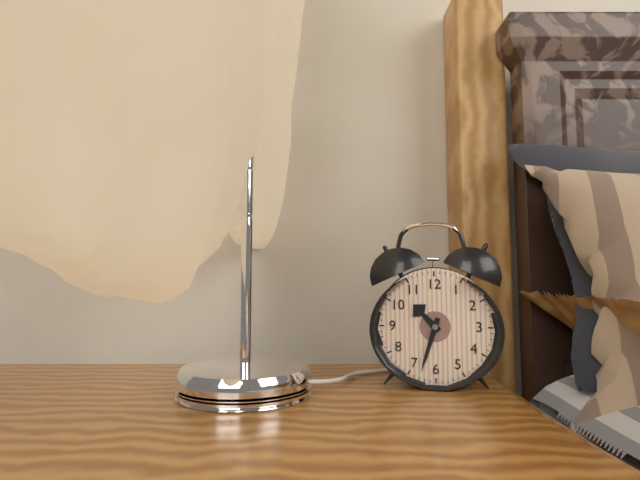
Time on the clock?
10:33
